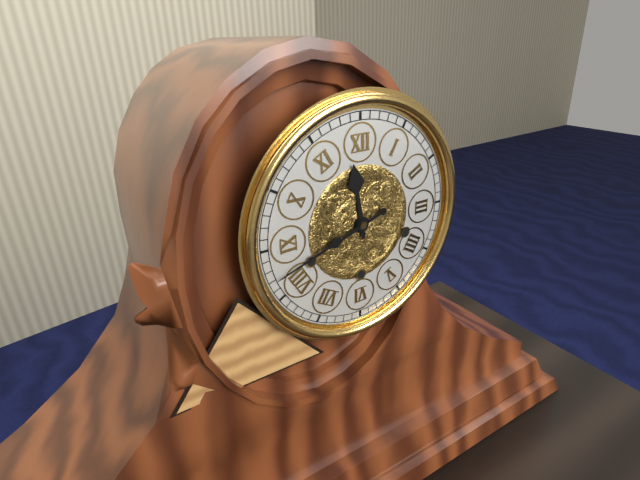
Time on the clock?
11:42
